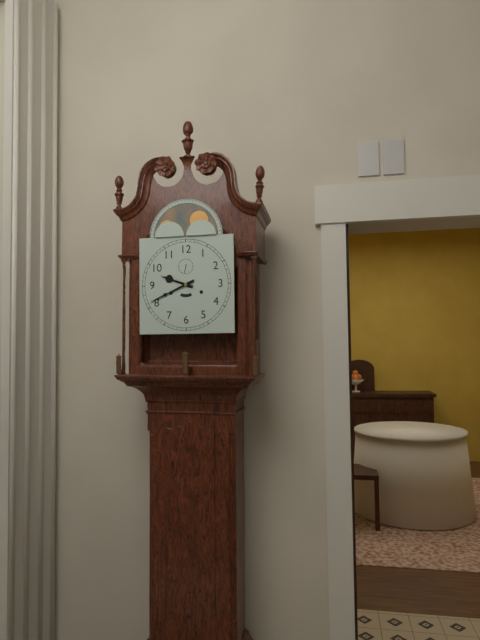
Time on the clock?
9:41
